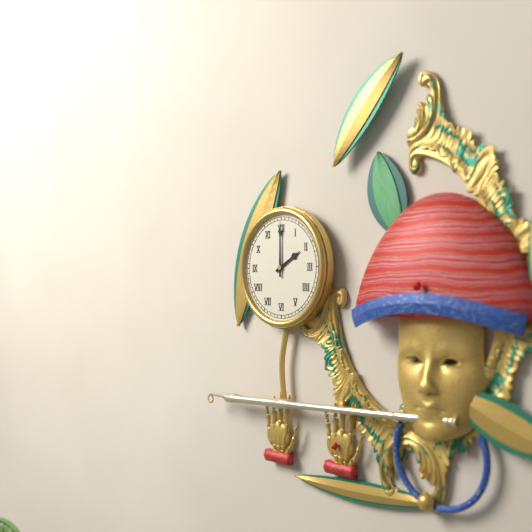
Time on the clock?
2:00
